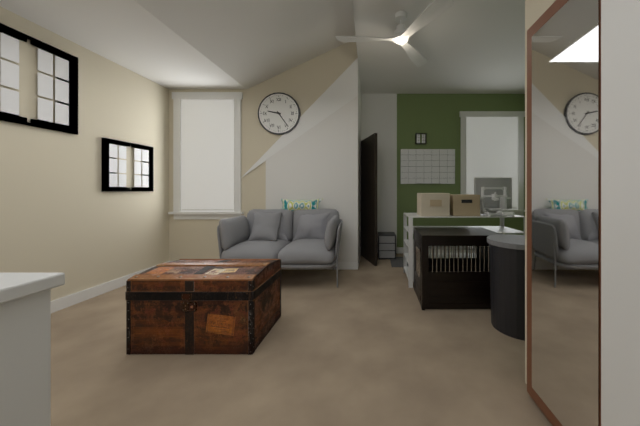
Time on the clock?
9:24
